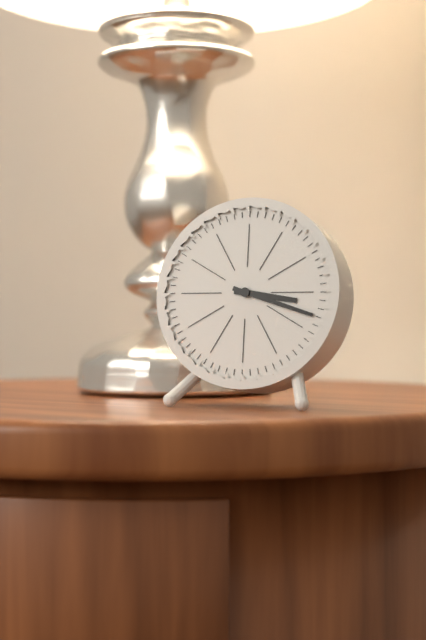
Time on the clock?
3:18
